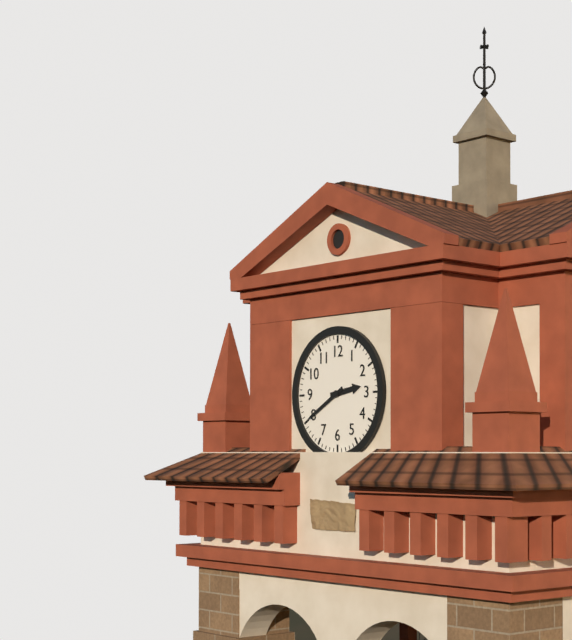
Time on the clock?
2:40
